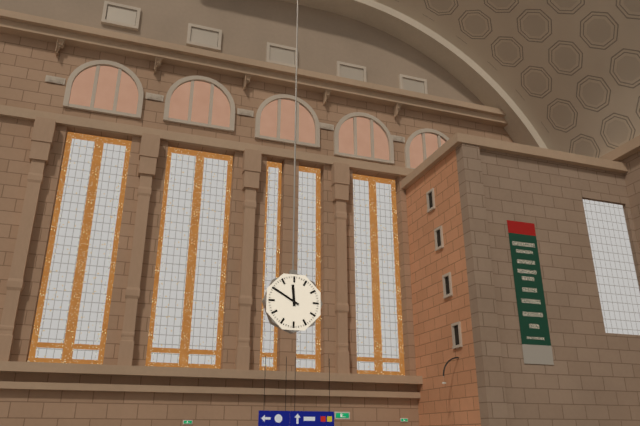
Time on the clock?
11:50
